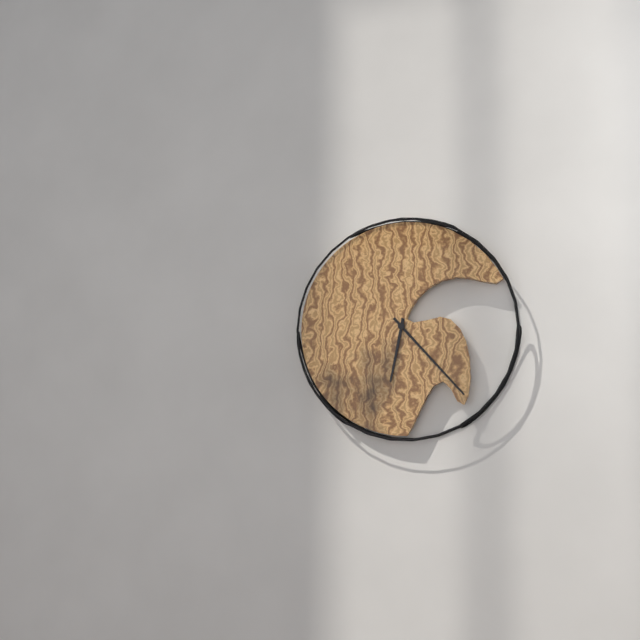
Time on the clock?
6:23
